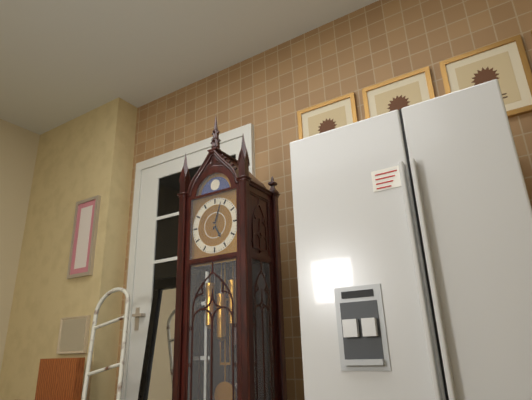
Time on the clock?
5:03
